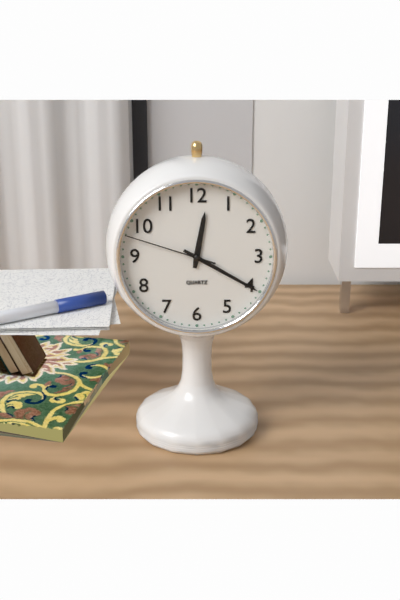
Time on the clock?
12:20:48
